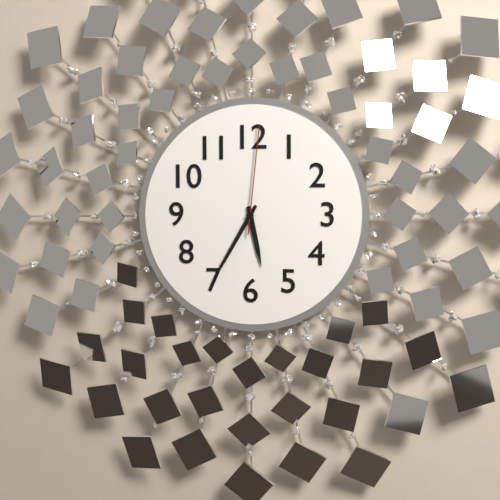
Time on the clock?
5:35:01
